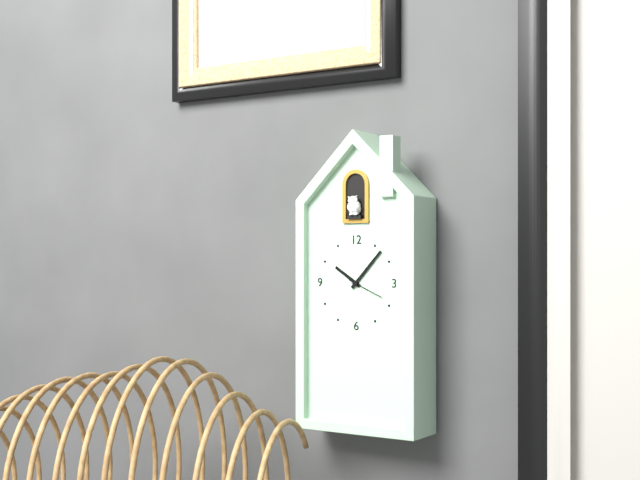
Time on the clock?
10:07
